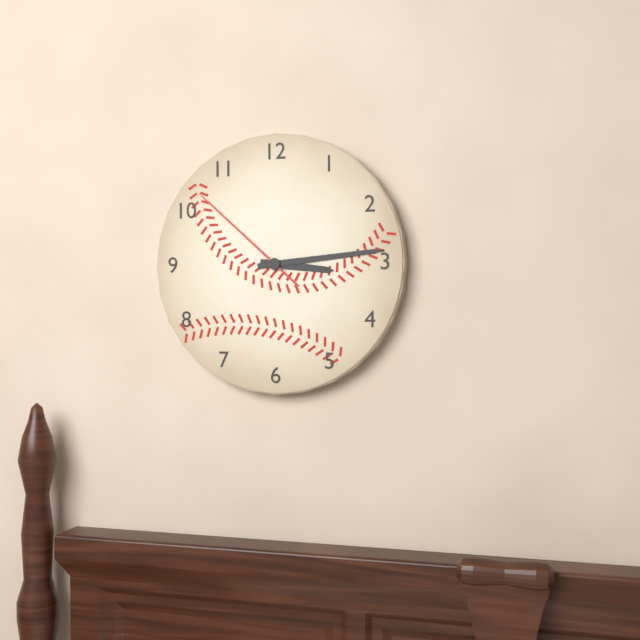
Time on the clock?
3:14:52
